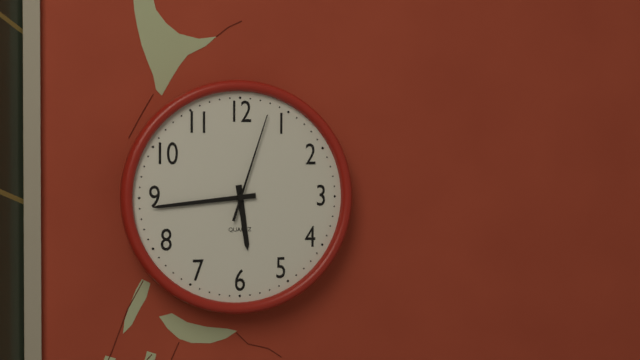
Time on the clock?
5:44:03
